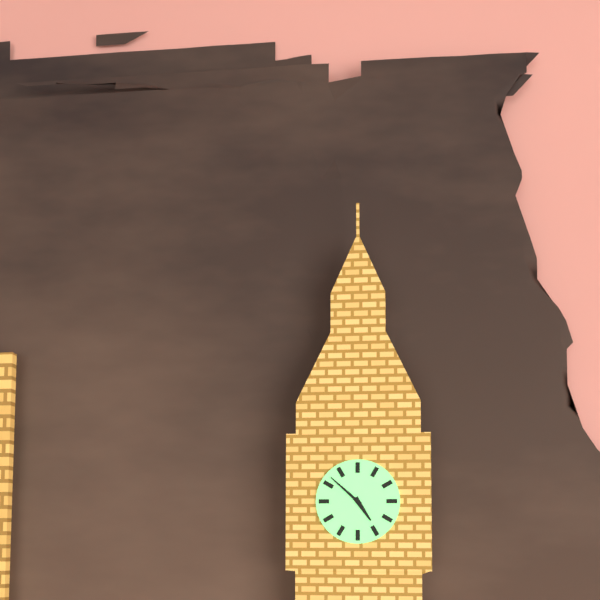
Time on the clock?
4:52
